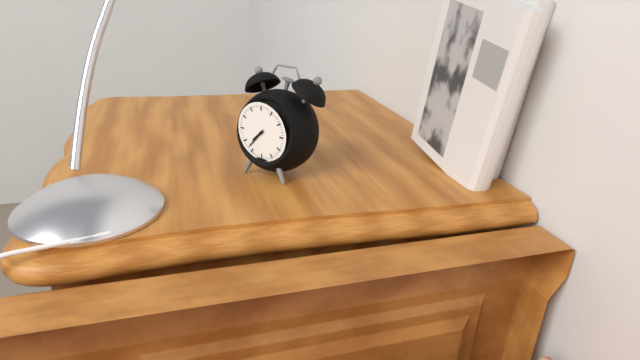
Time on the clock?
7:37
